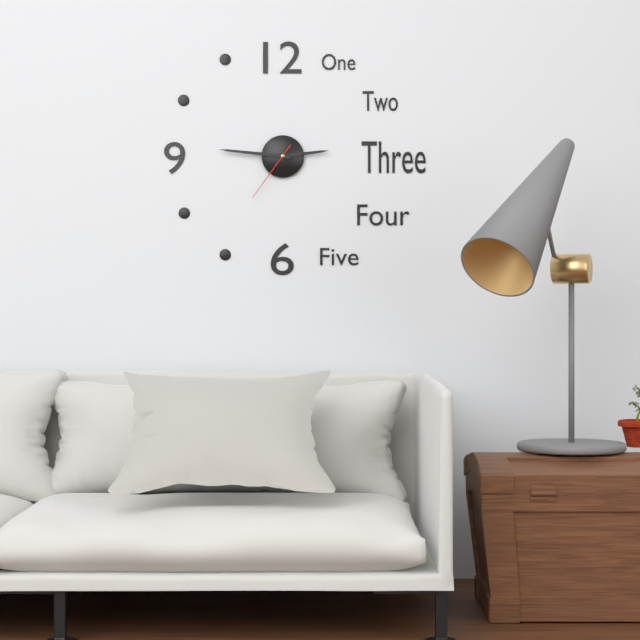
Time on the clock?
2:46:36
